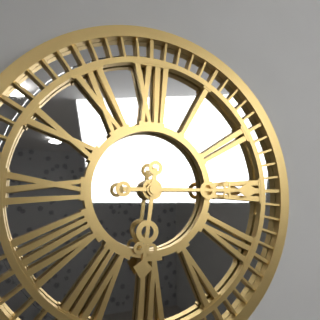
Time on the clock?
6:15
